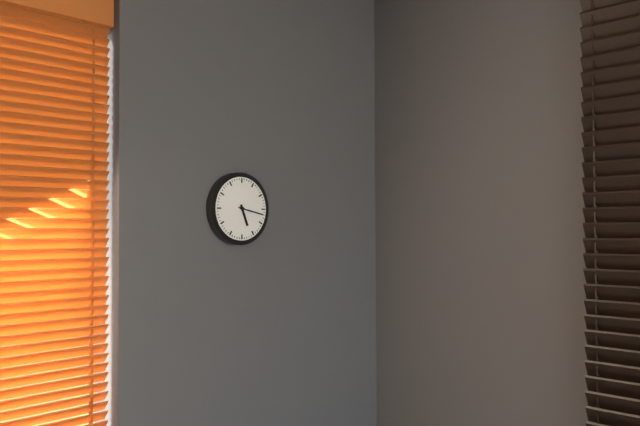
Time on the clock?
5:17
